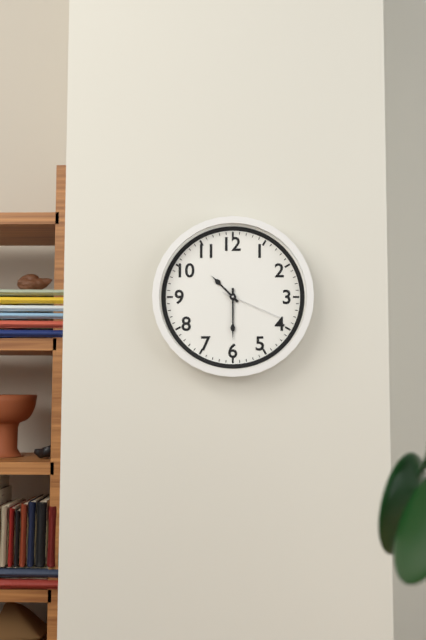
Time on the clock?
10:30:19
